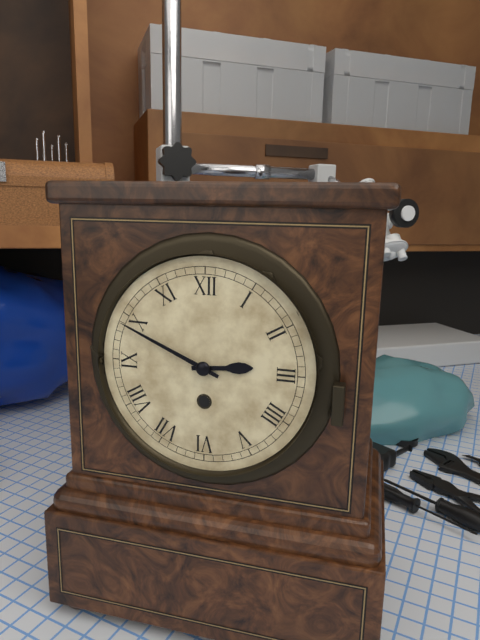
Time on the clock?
2:49
